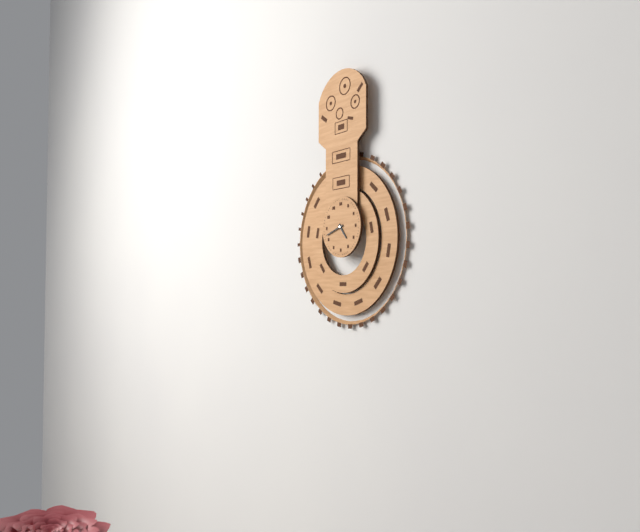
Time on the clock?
4:42
